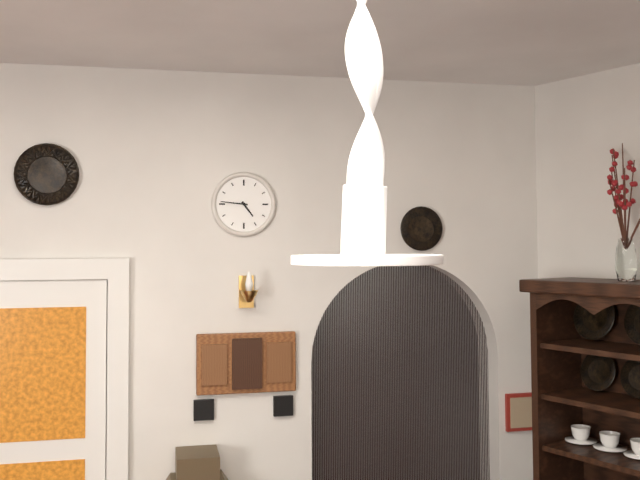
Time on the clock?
4:46
